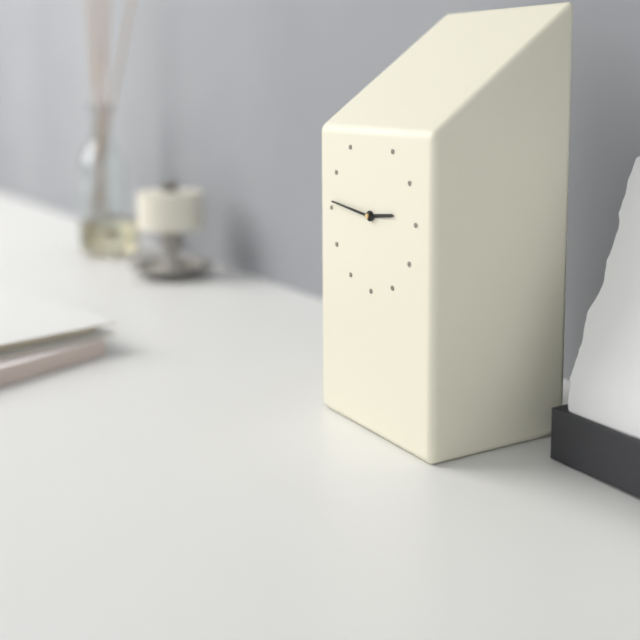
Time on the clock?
2:46
